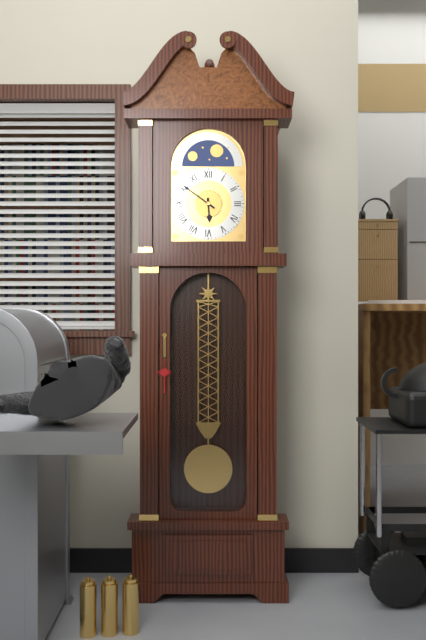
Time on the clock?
5:51
